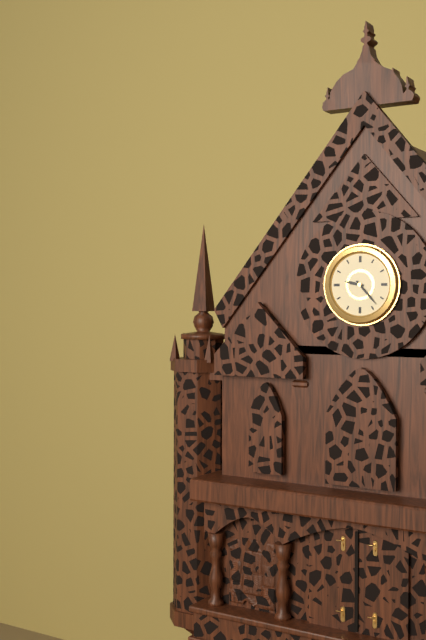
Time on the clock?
9:23
